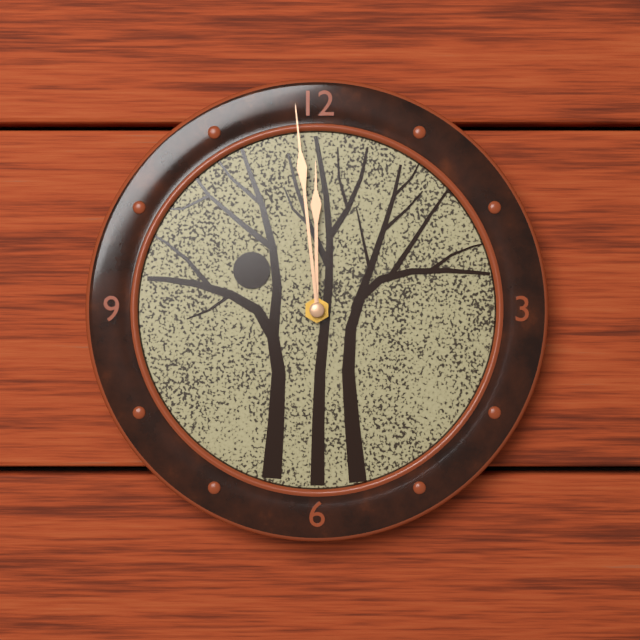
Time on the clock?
11:59
